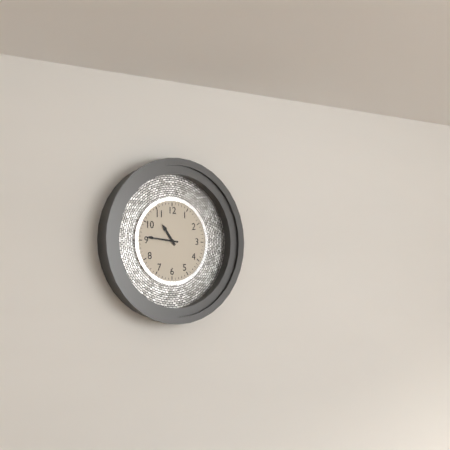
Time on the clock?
10:46
